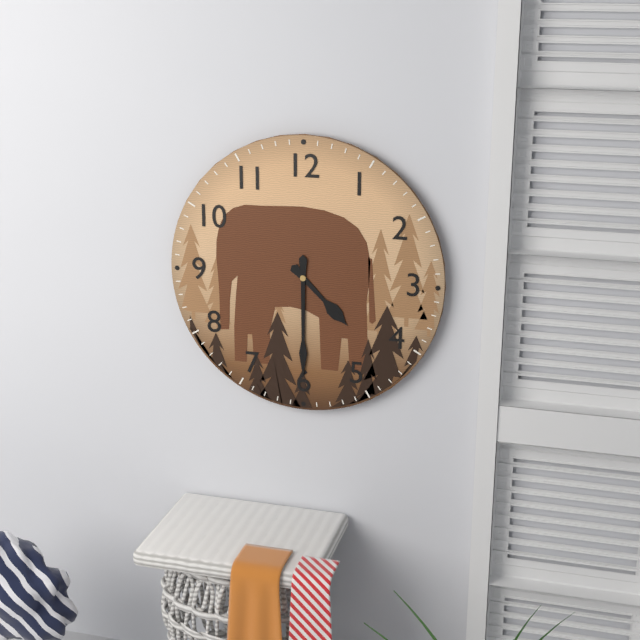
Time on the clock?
4:30
